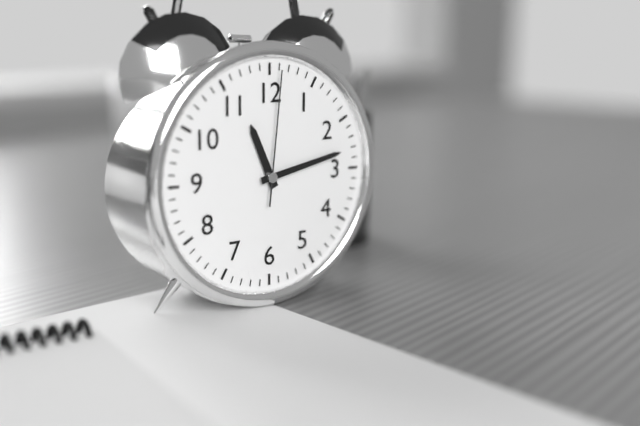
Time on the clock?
11:13:01
